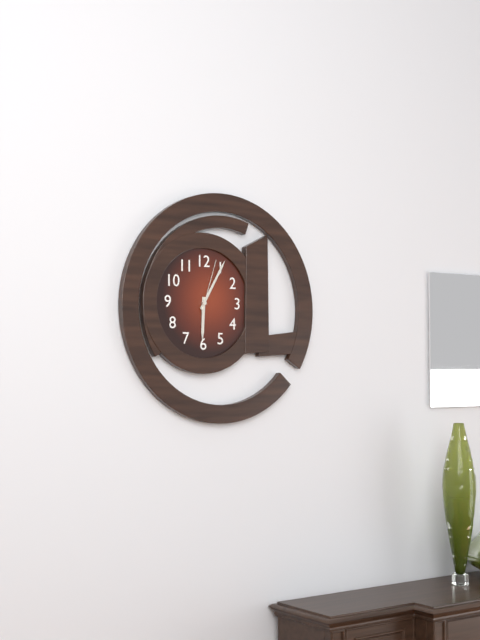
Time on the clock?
6:05:03
